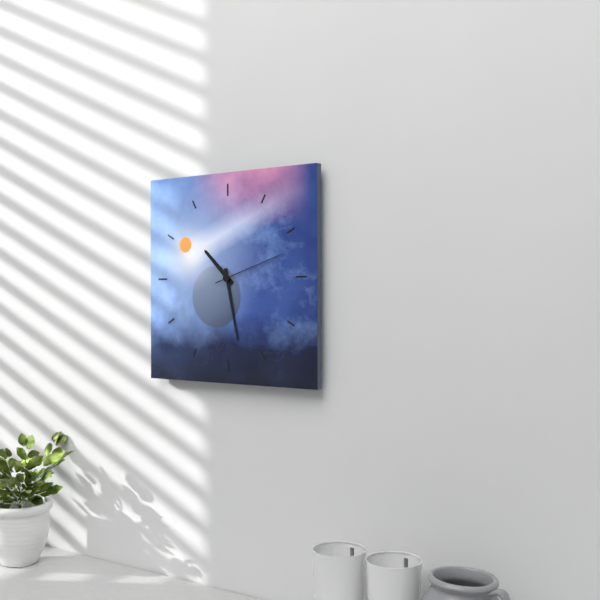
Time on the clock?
10:28:12
